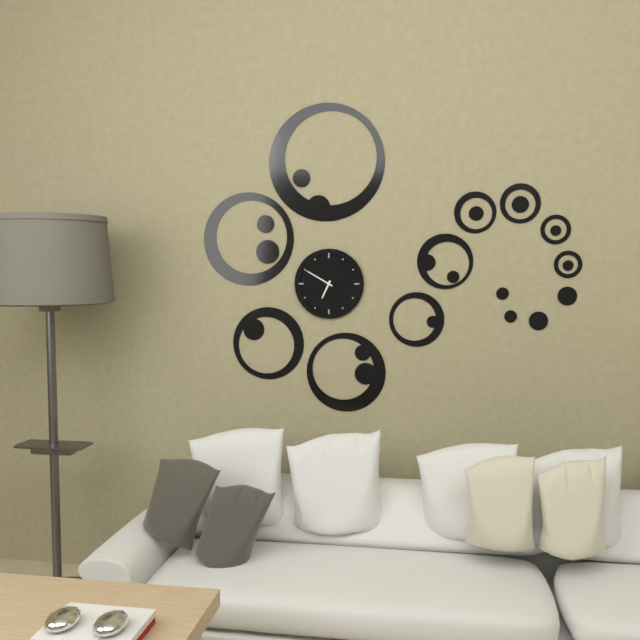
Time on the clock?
6:50
